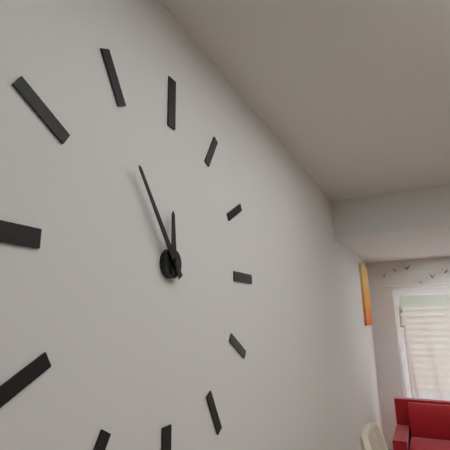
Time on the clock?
11:54
